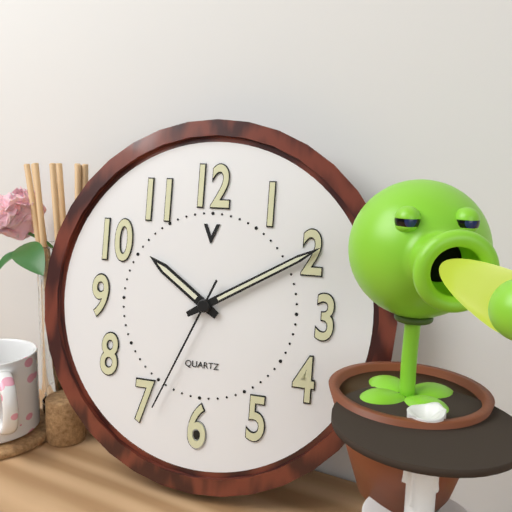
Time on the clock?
10:10:34
